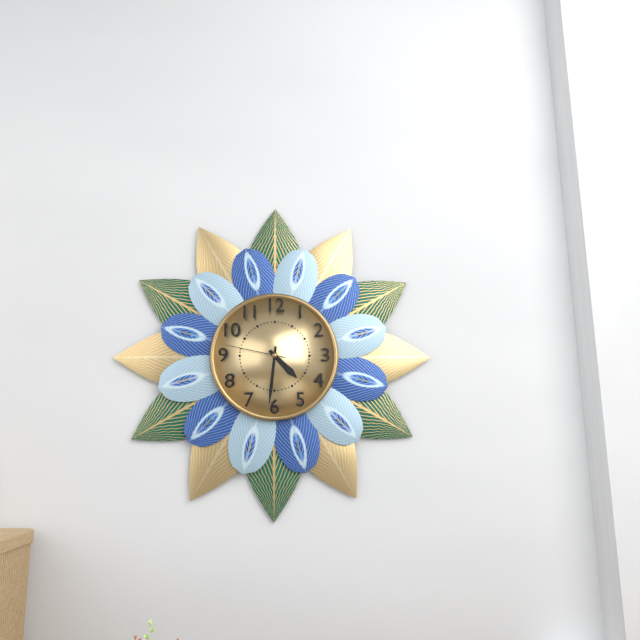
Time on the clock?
4:31:47
